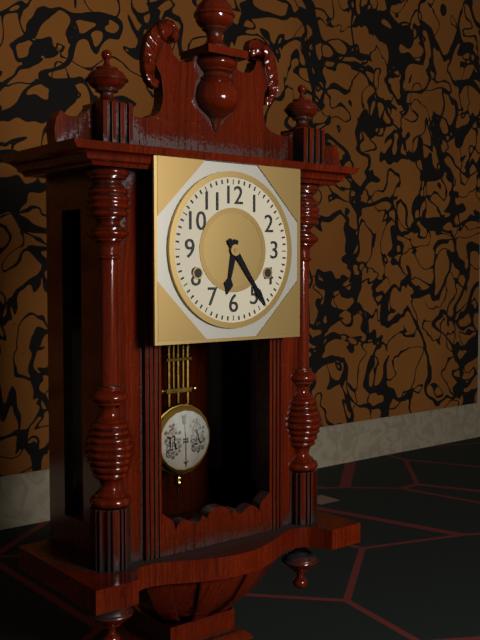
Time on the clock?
6:24
